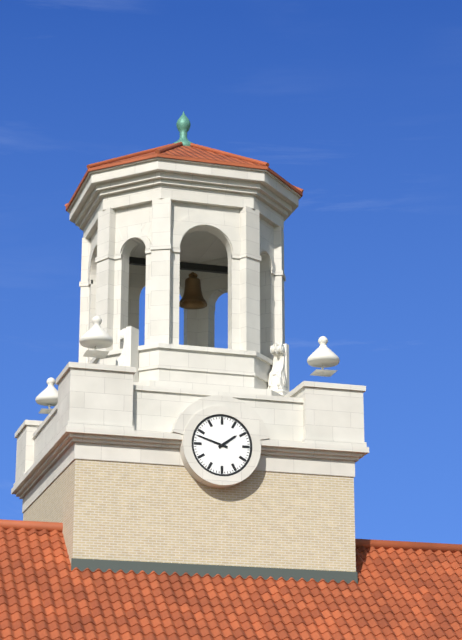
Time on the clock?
1:48
